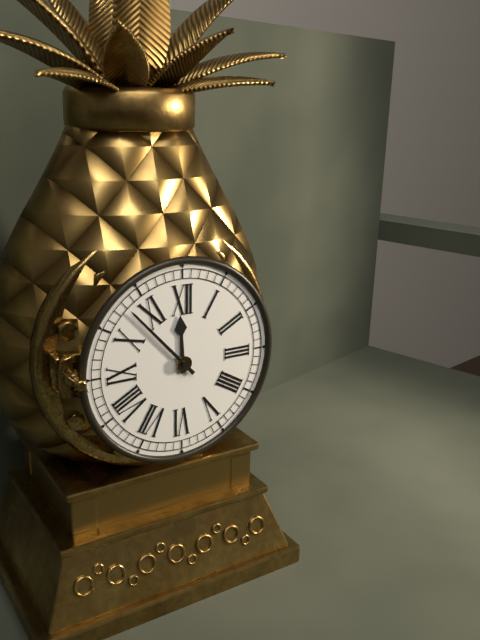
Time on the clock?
11:53
